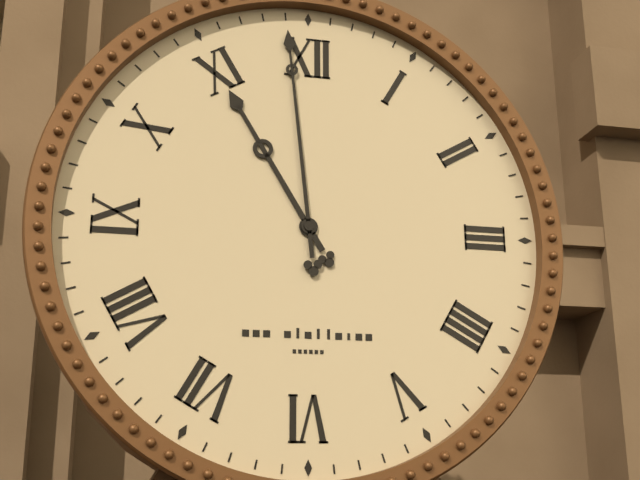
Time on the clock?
10:59
